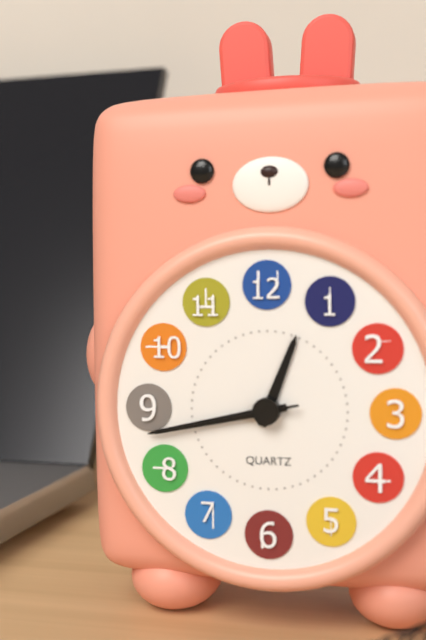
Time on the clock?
12:43:43
